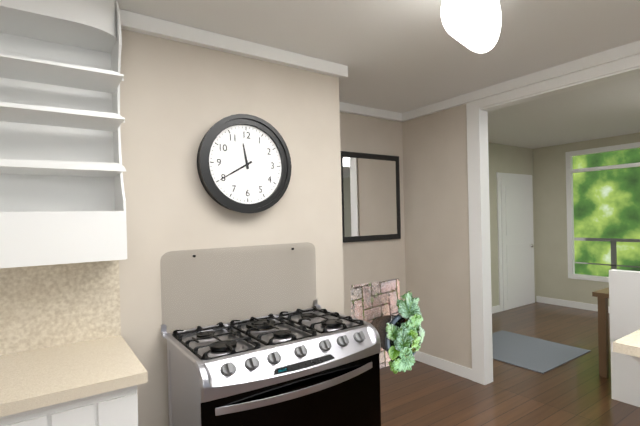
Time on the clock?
11:40
